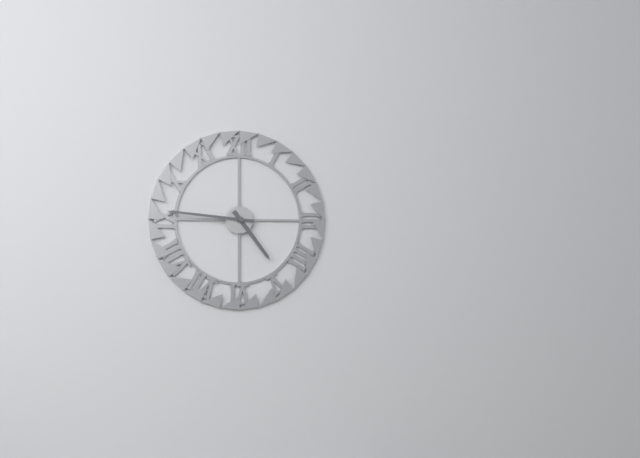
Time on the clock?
4:46
